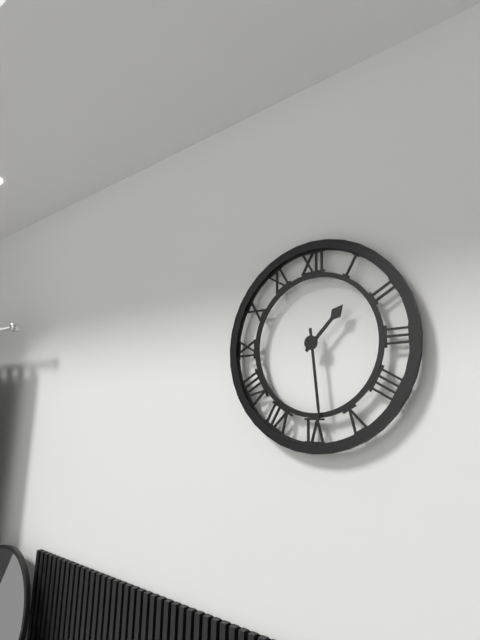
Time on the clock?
1:29
